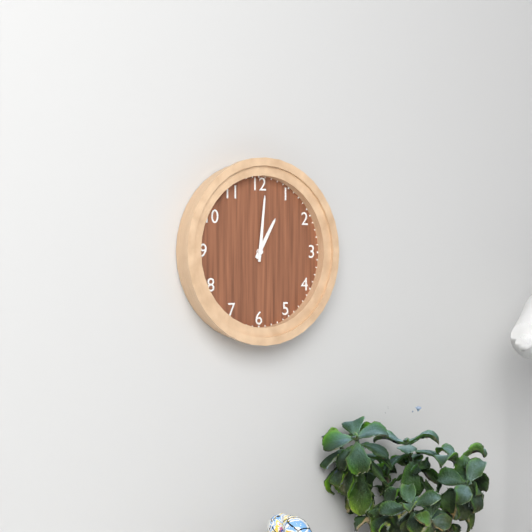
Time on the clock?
1:01
